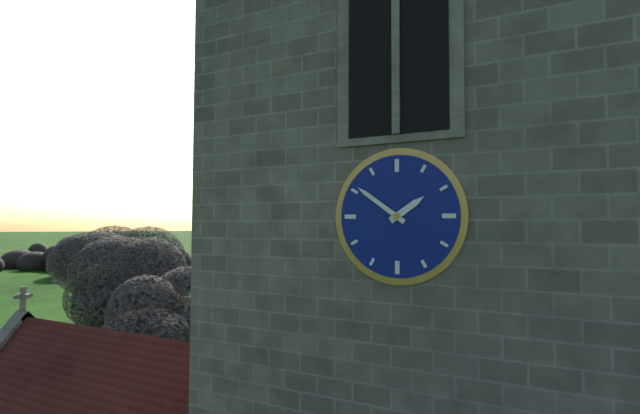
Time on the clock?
1:51
